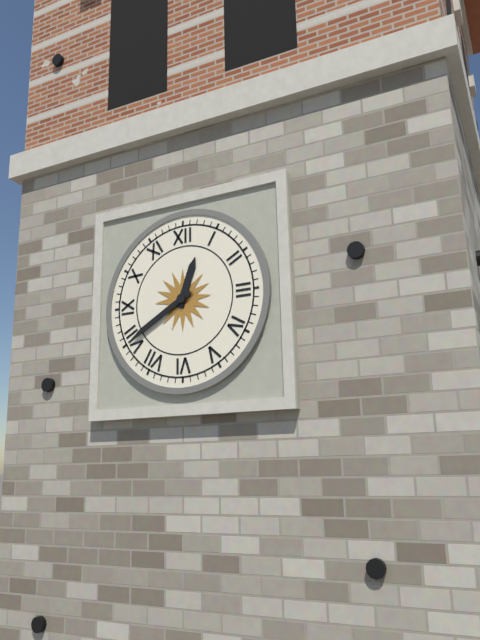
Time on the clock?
12:40
